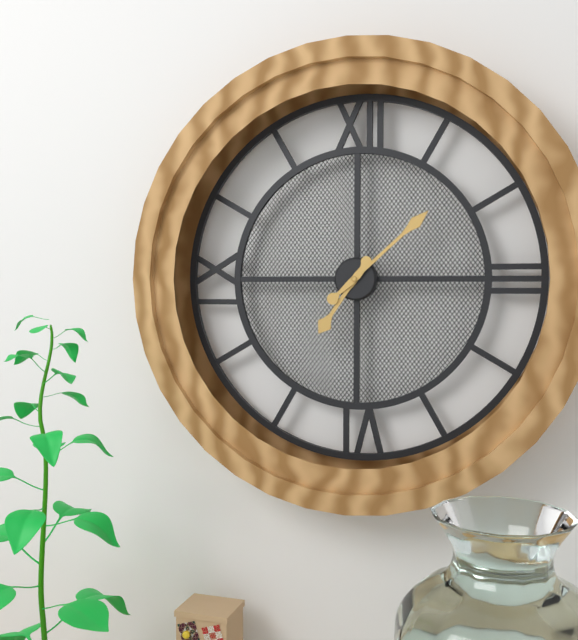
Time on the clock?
7:08
